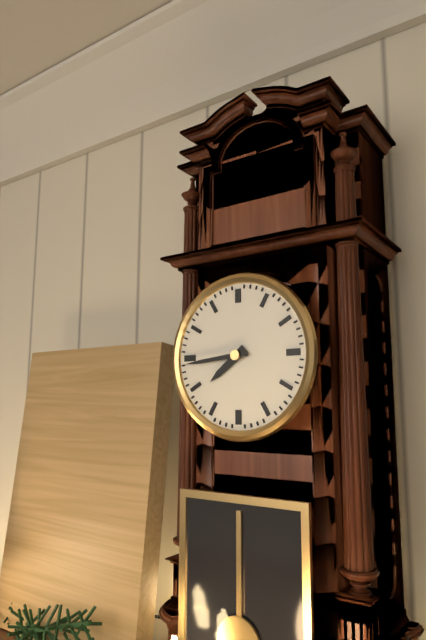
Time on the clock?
7:44
